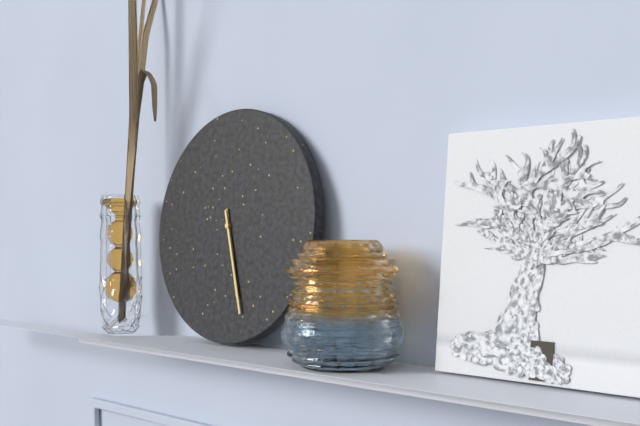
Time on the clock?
5:27
